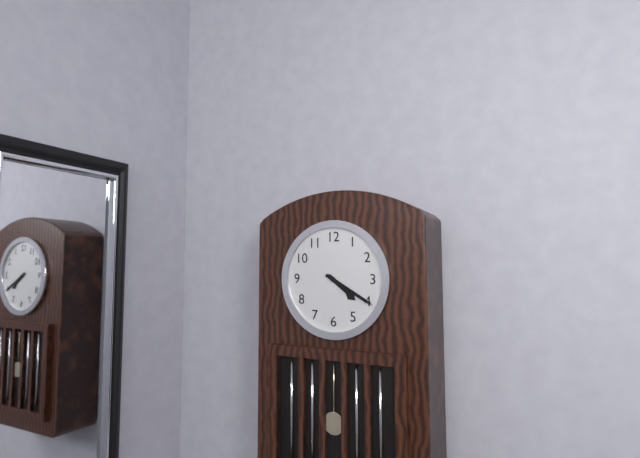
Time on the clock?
4:20
